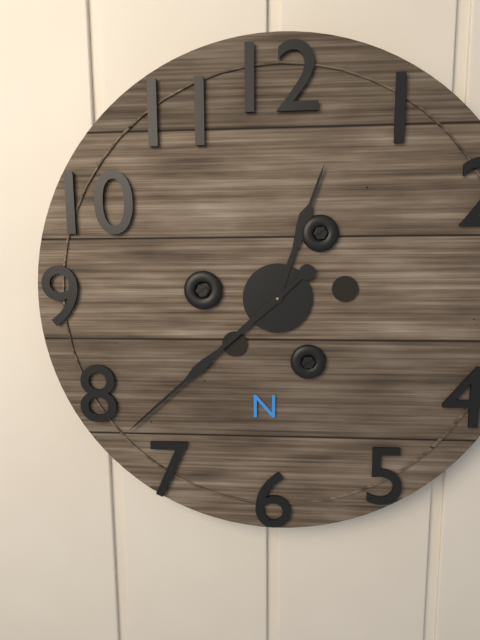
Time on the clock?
12:38
